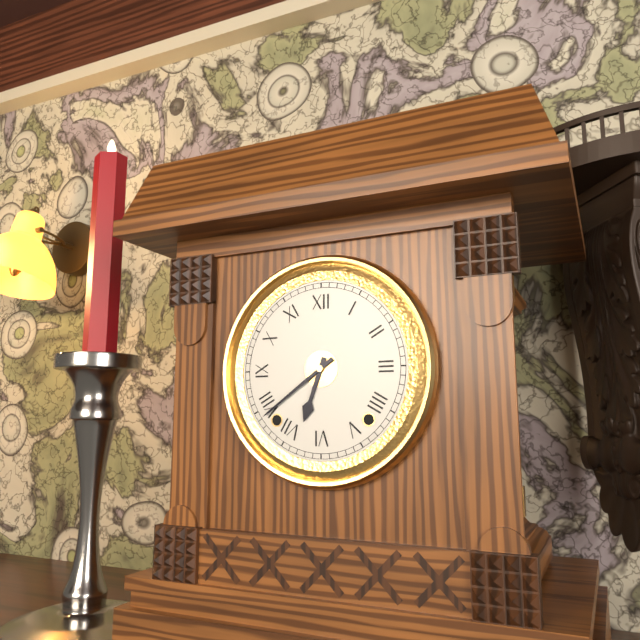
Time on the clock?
6:39
